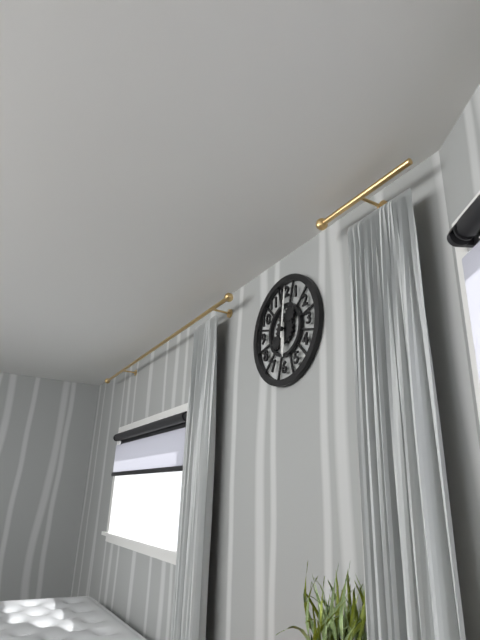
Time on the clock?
6:01
